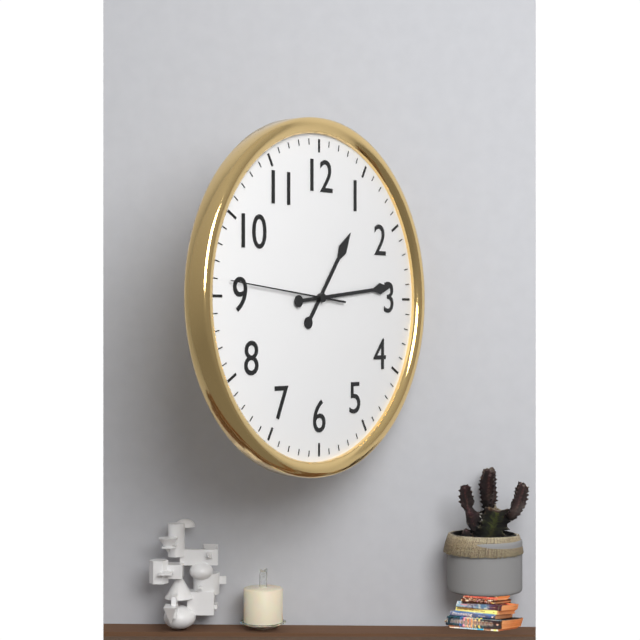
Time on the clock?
1:14:46
